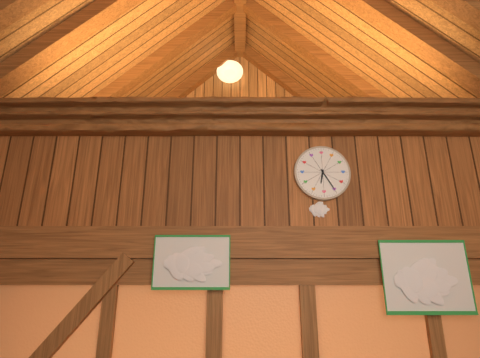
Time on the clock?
6:25
